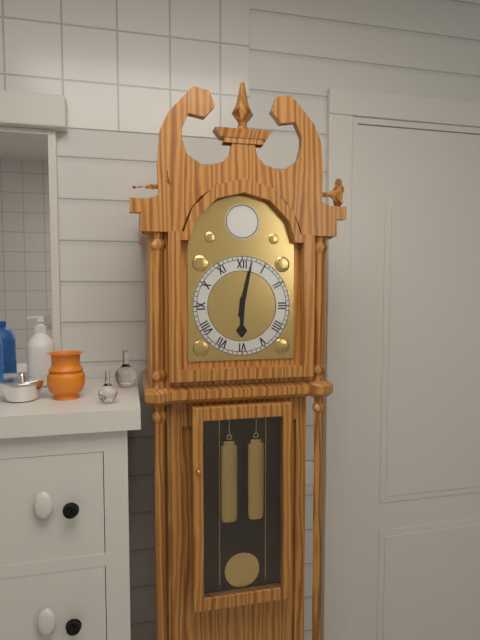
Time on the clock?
6:02
